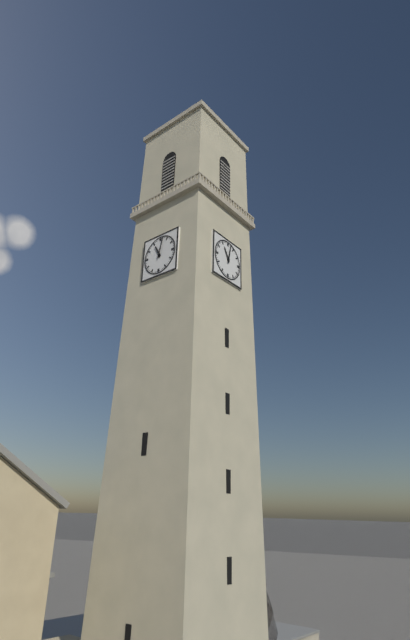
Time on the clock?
11:02
